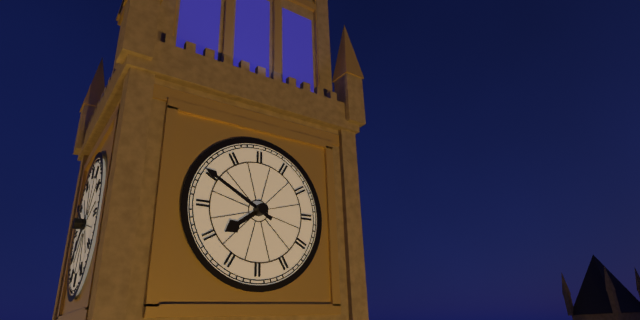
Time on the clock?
7:50
